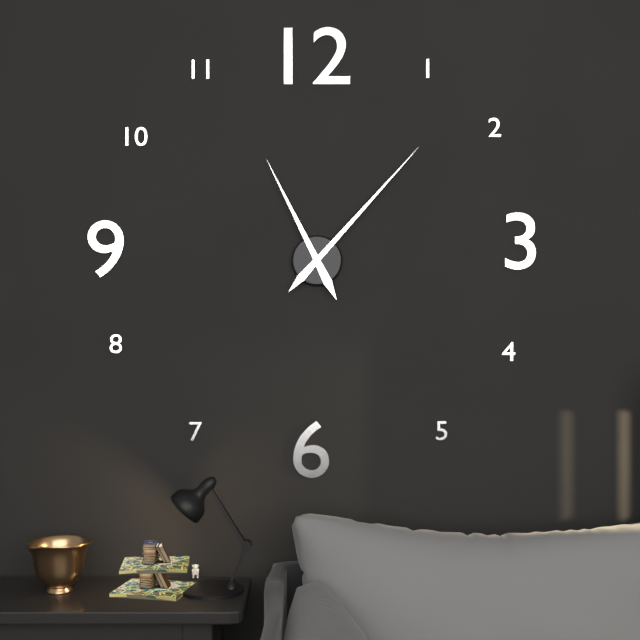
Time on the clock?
11:07
